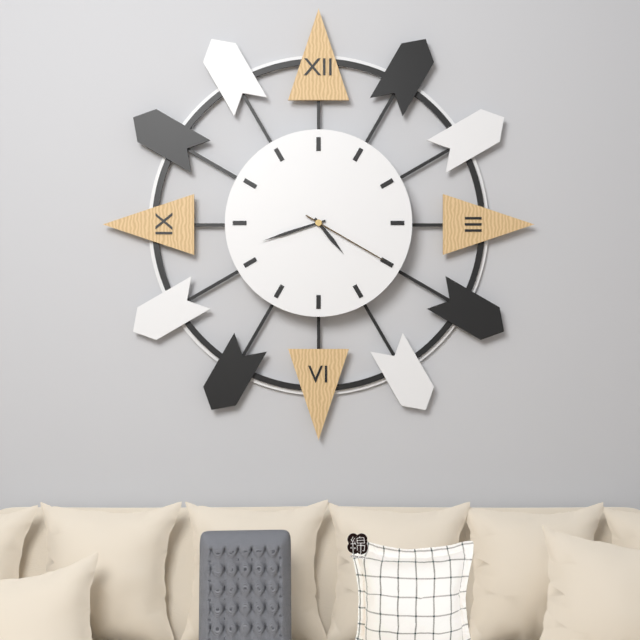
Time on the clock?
4:42:20
